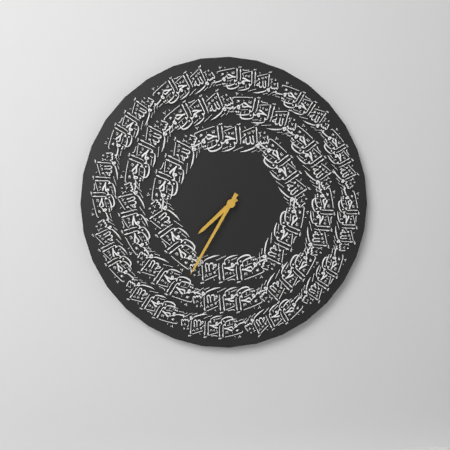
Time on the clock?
7:35
